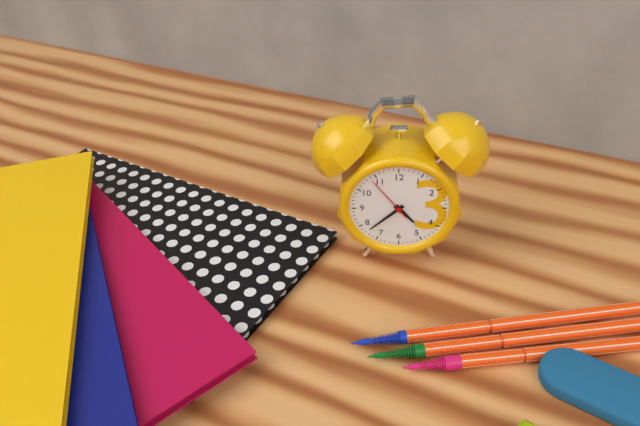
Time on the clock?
4:38
